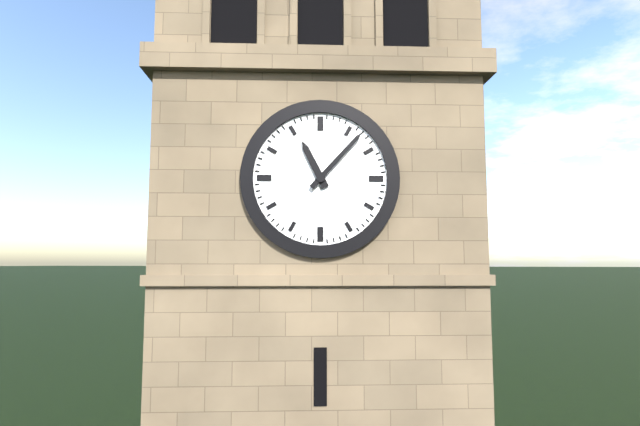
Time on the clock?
11:07
